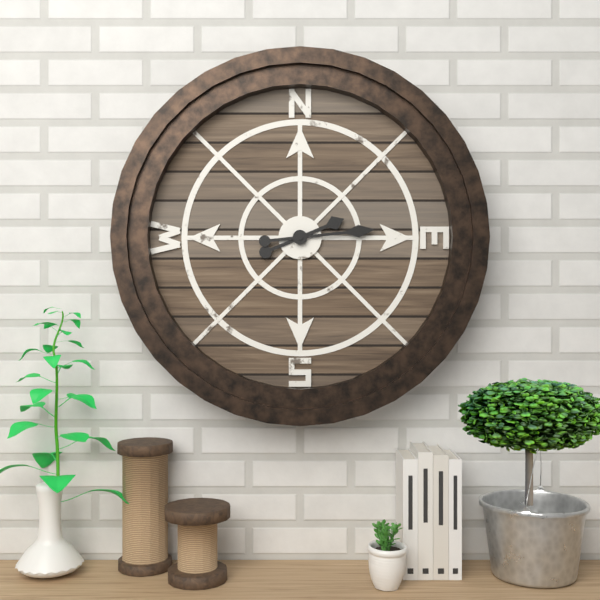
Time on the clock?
2:14
